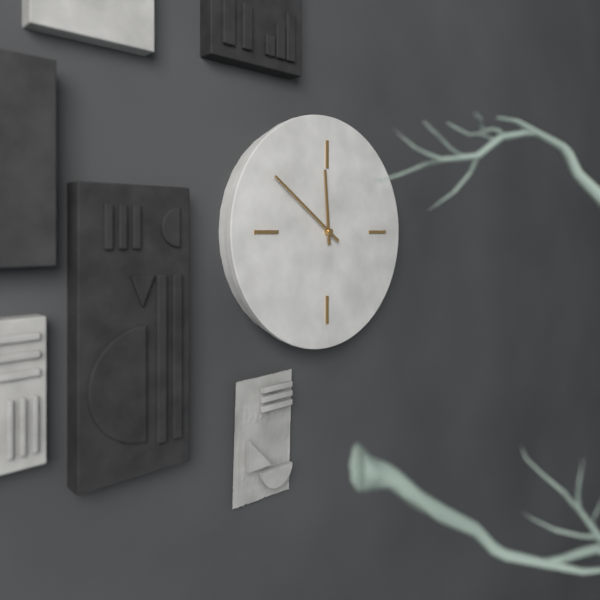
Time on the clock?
11:51
